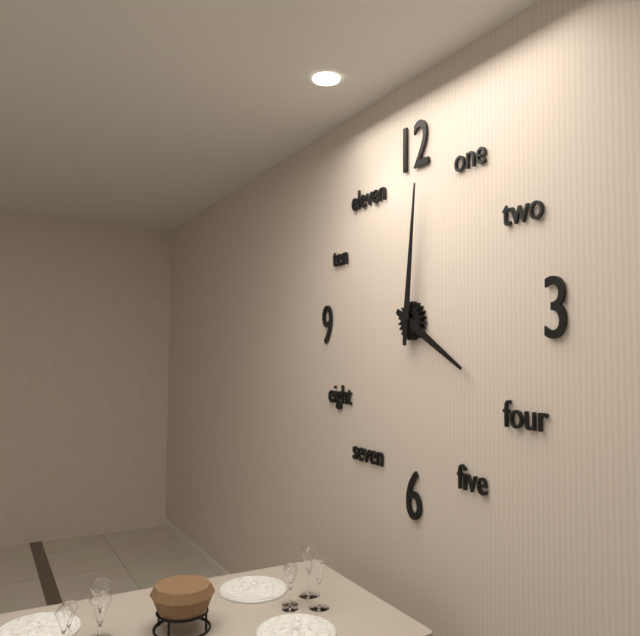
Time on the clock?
4:01
